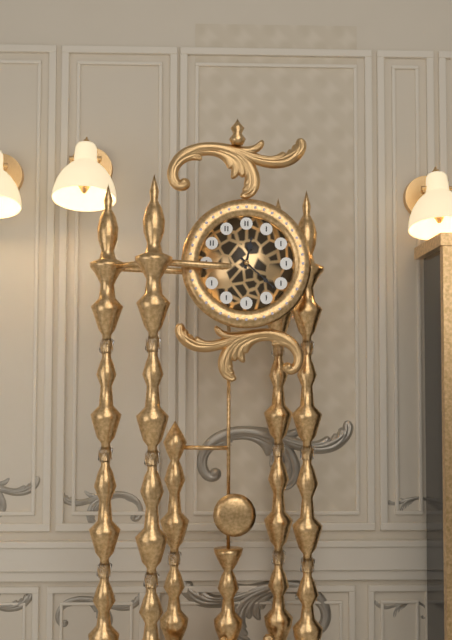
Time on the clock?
12:22
